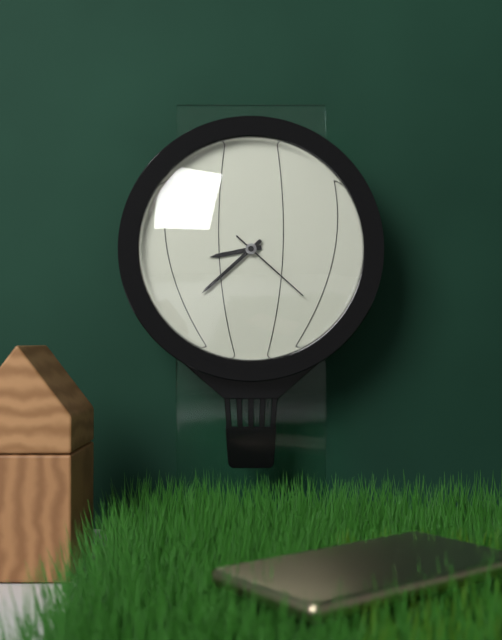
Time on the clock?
8:38:22
